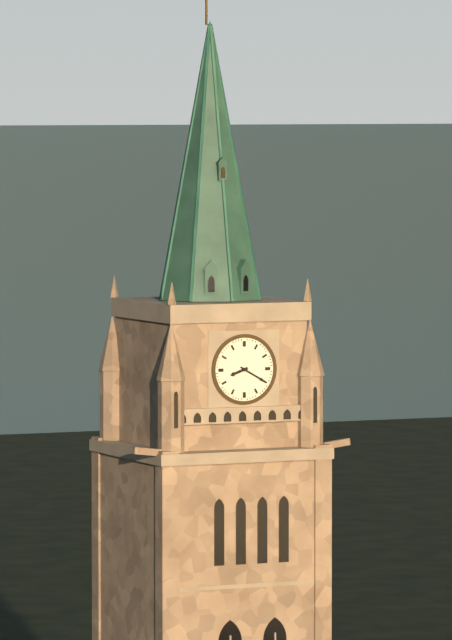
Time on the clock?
8:20
